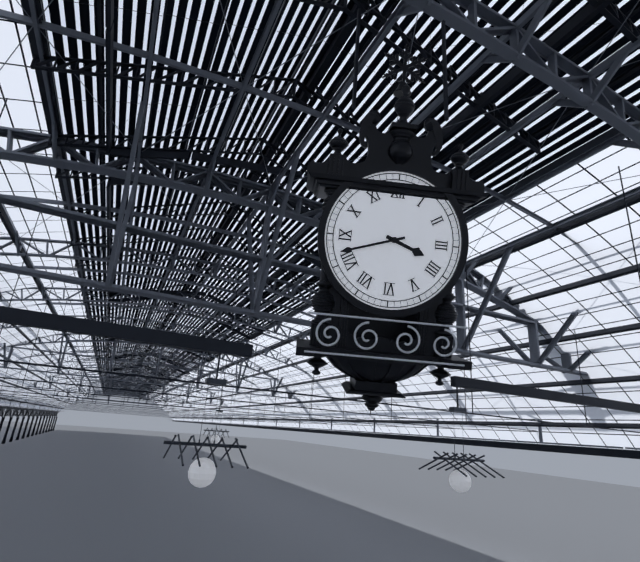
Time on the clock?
3:42
